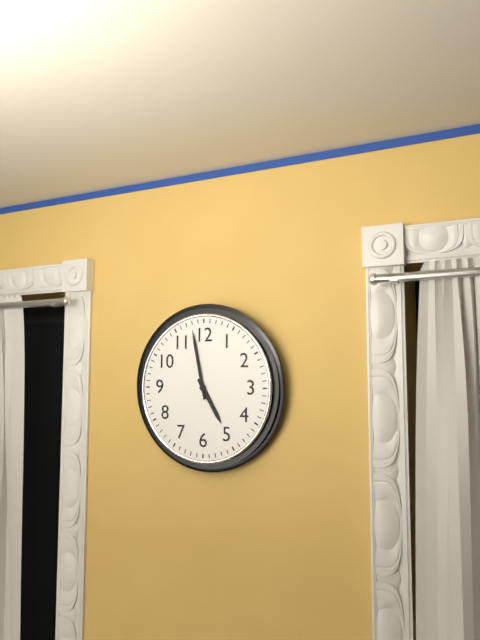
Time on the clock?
4:58
